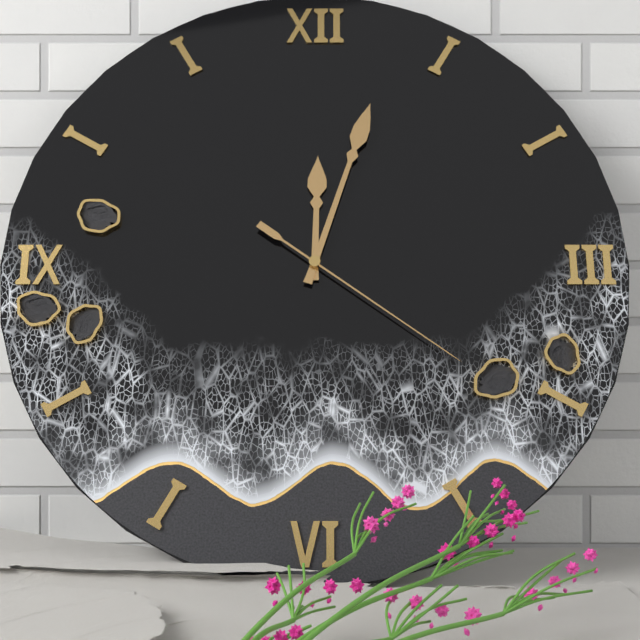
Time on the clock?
12:03:21
